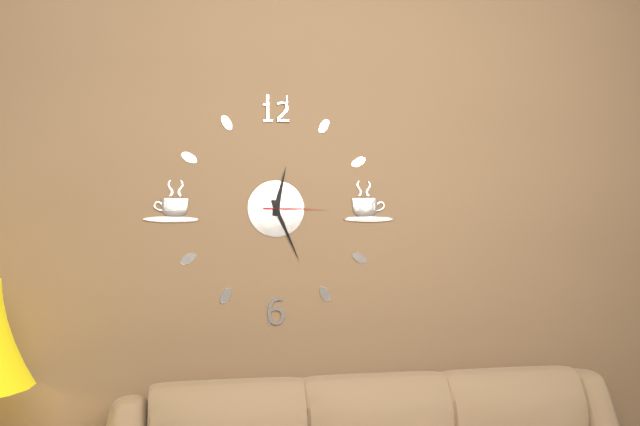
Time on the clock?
12:26:15
